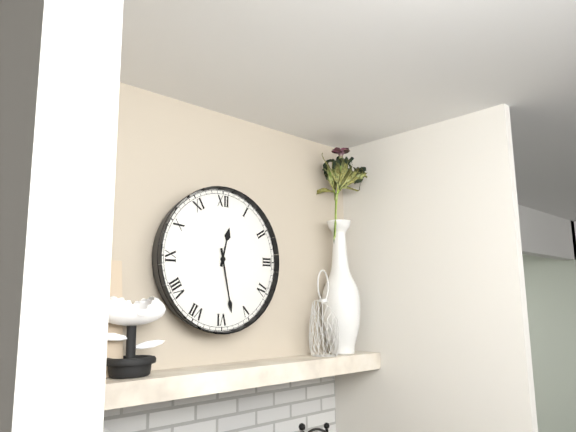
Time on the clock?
12:28
